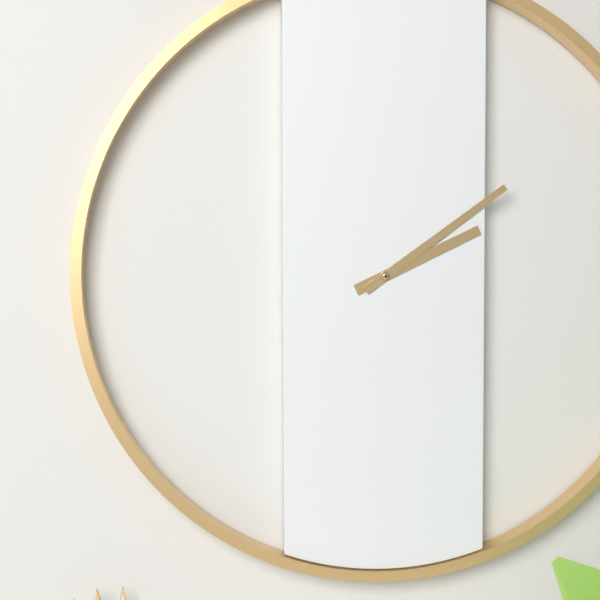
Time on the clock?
2:09
